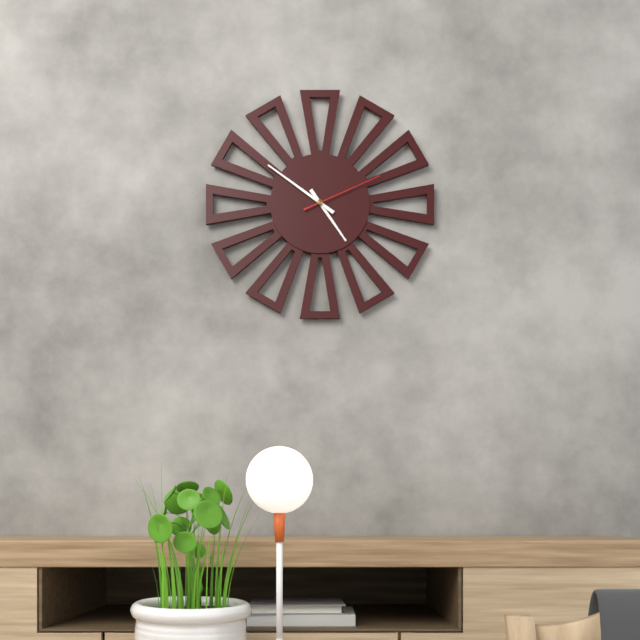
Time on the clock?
4:51:11
